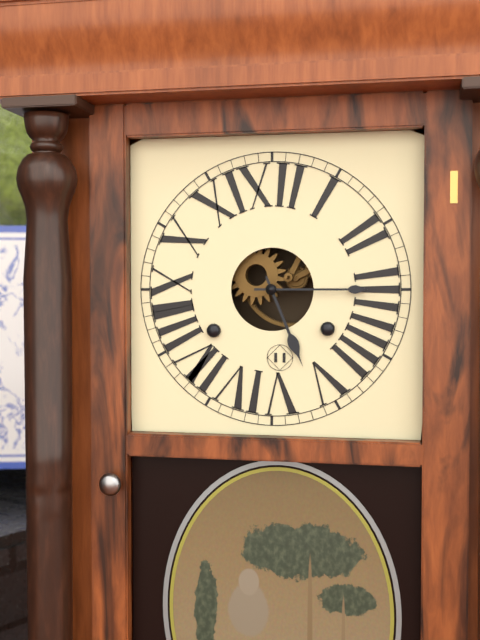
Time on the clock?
5:15
